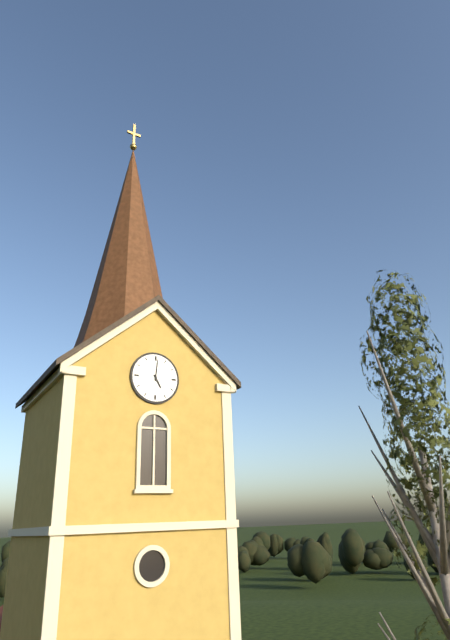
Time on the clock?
5:01
